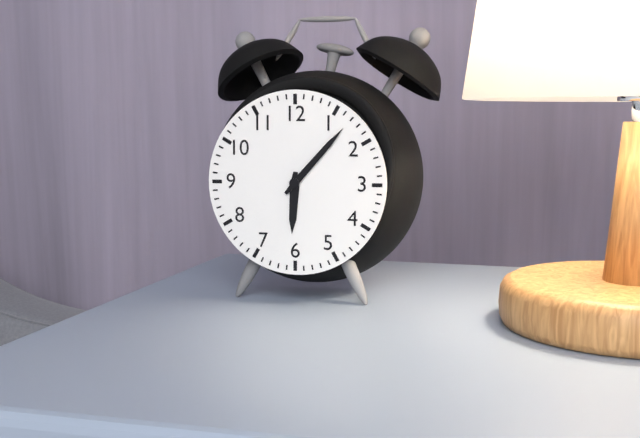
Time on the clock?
6:07
